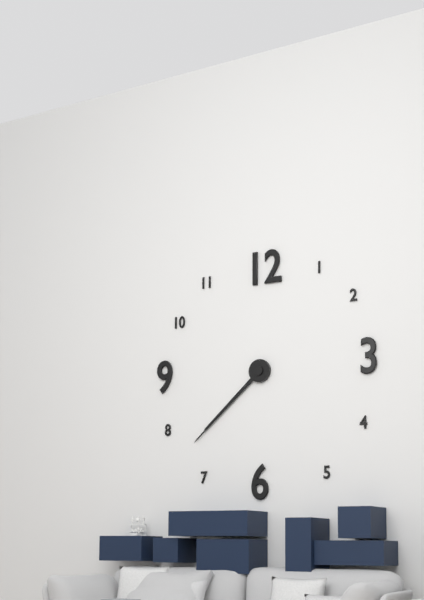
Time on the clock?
7:38
